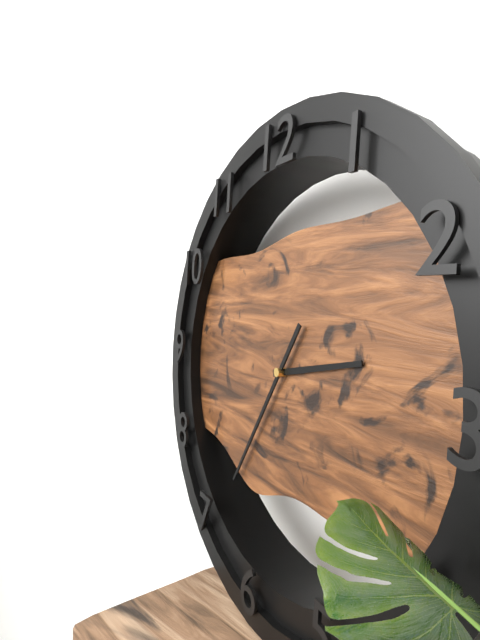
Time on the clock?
2:35
